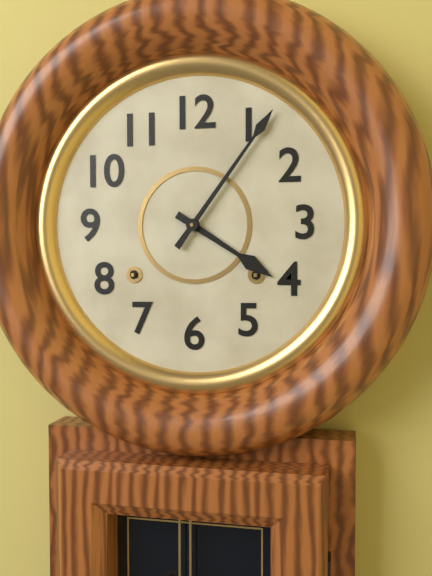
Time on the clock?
4:06
